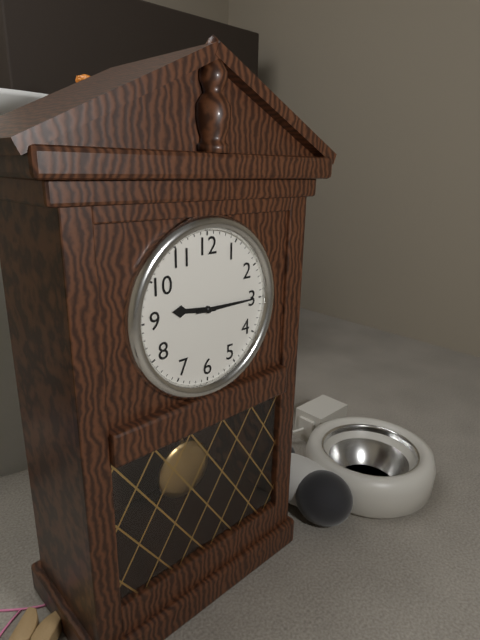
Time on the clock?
9:15
